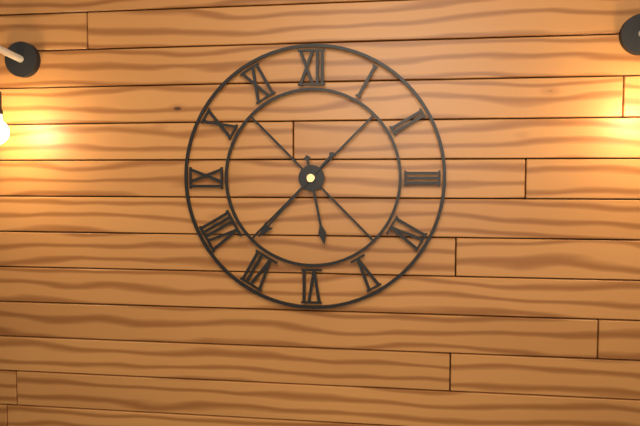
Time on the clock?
5:37
